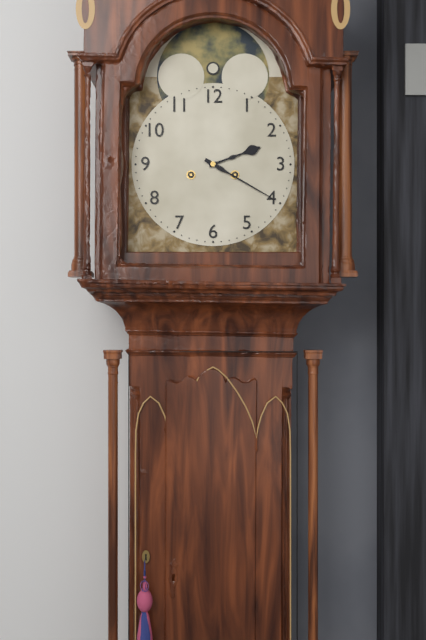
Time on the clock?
2:20
